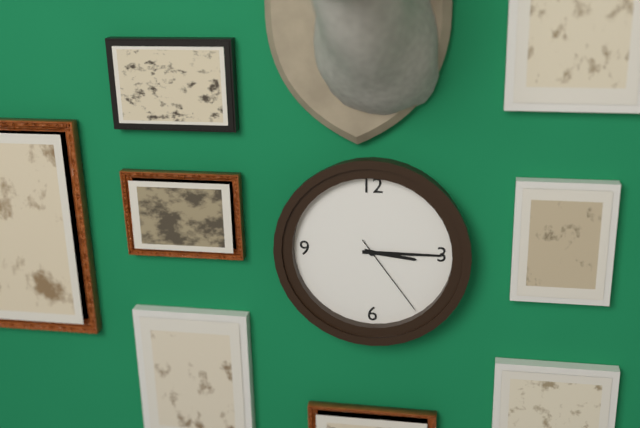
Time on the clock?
3:15:24
